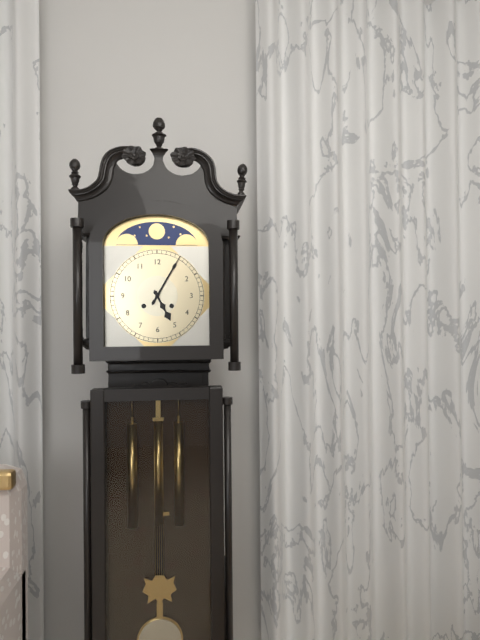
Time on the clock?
5:05
